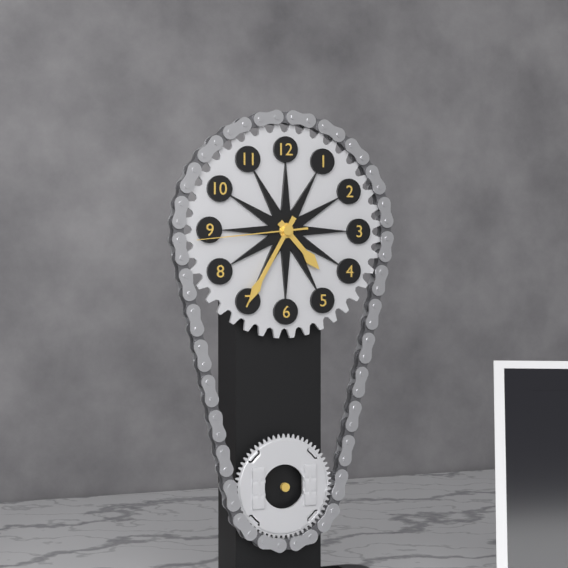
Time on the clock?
4:35:44
